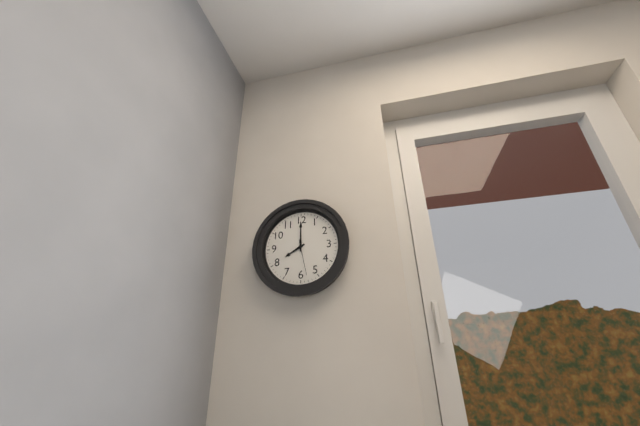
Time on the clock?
8:00
